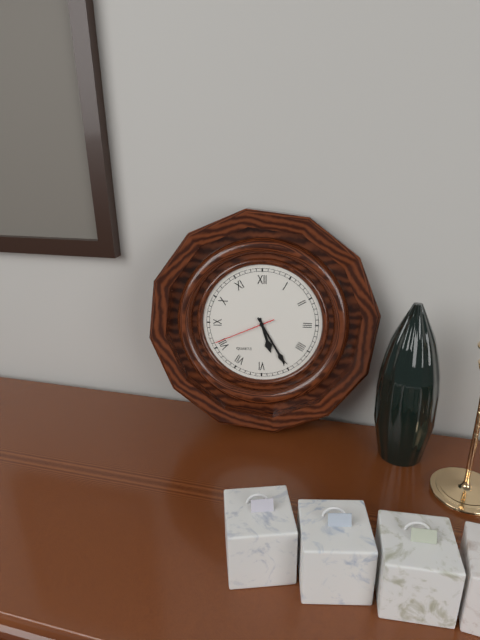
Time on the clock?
5:25:41
